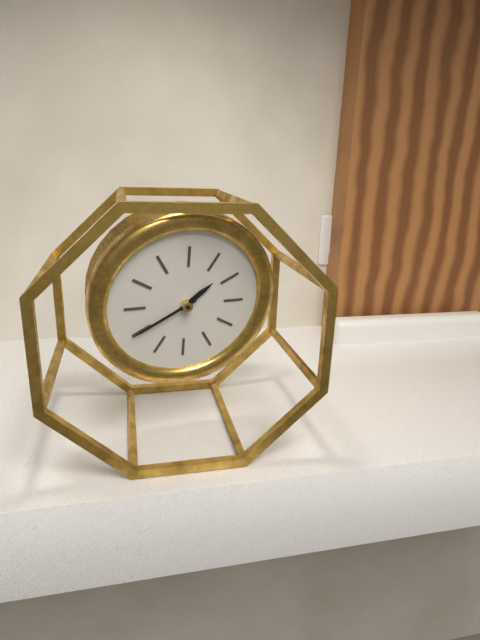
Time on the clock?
1:40
